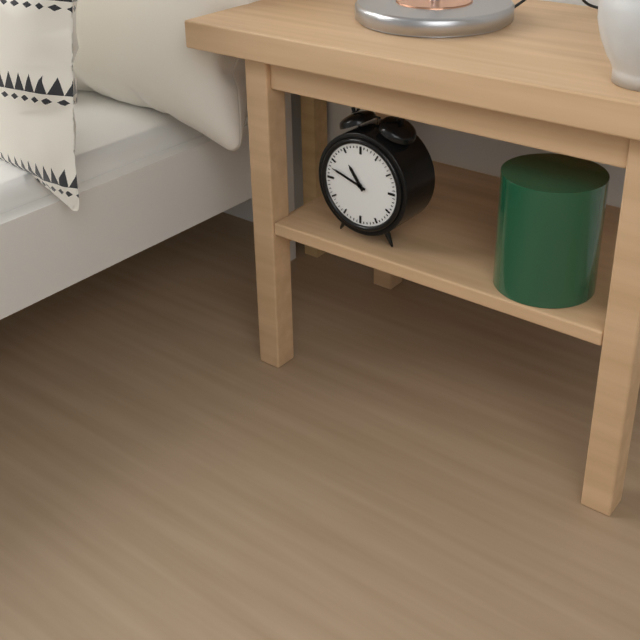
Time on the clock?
10:48
